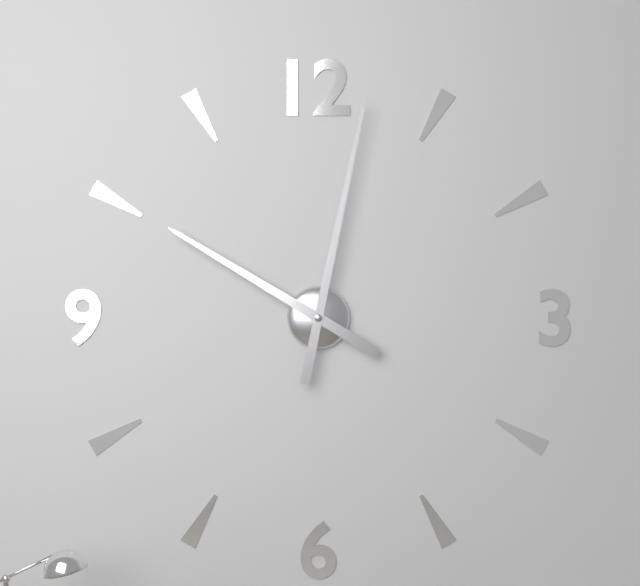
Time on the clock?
10:02
